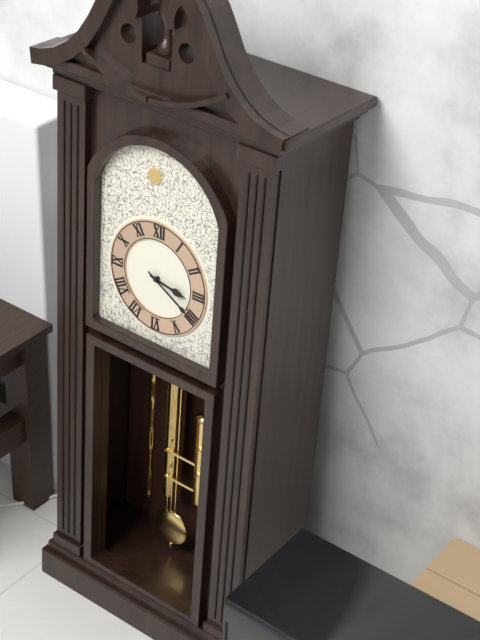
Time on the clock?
3:20
